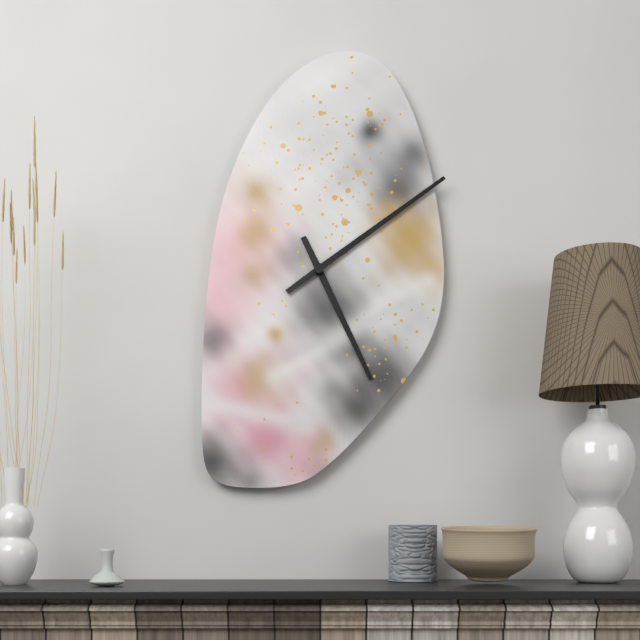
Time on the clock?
5:09
